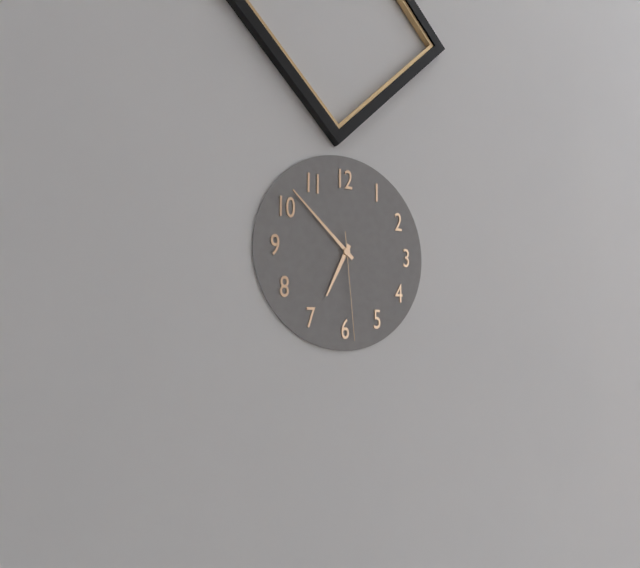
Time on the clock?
6:52:29
